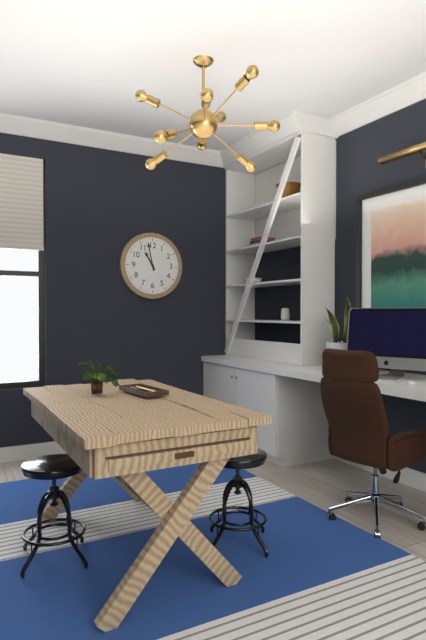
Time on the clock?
10:58
